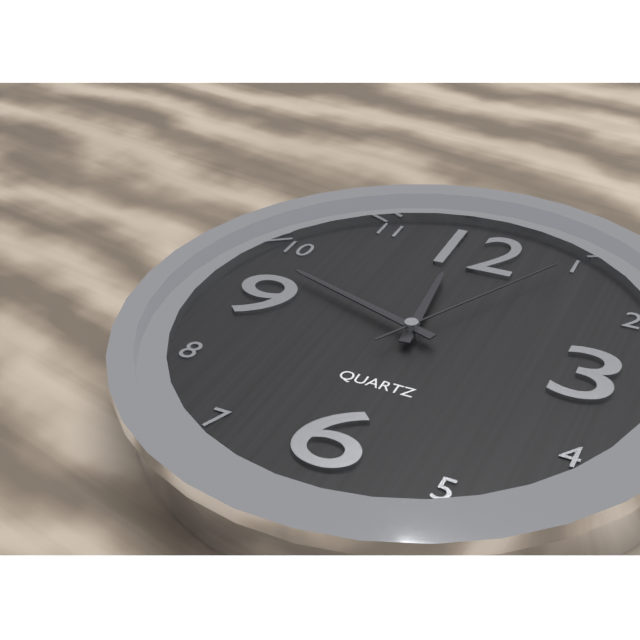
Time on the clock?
11:48:05
